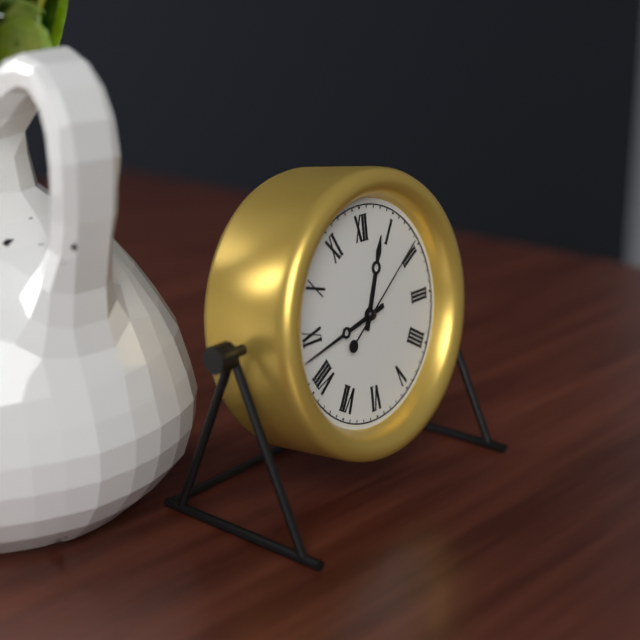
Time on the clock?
12:43:09
